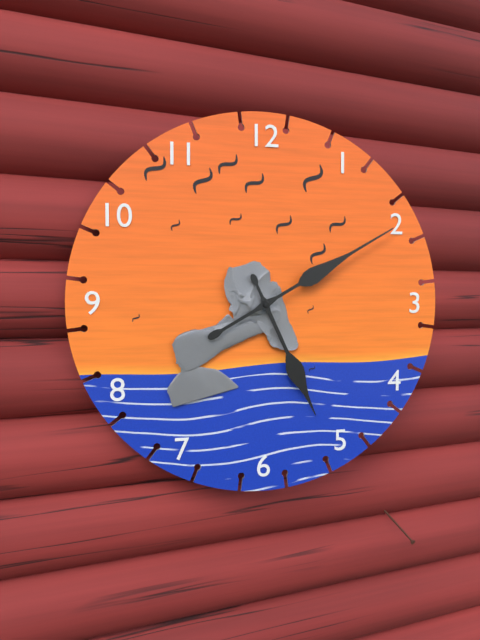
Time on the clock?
5:10
